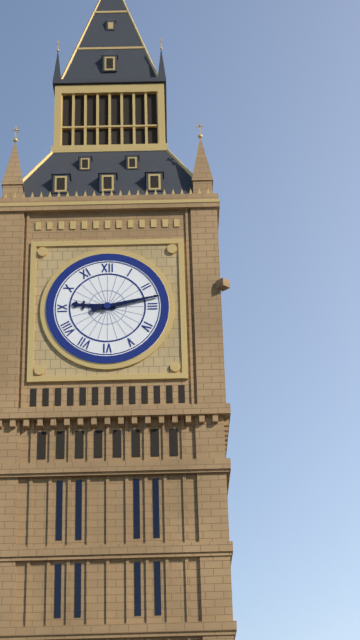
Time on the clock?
9:13
